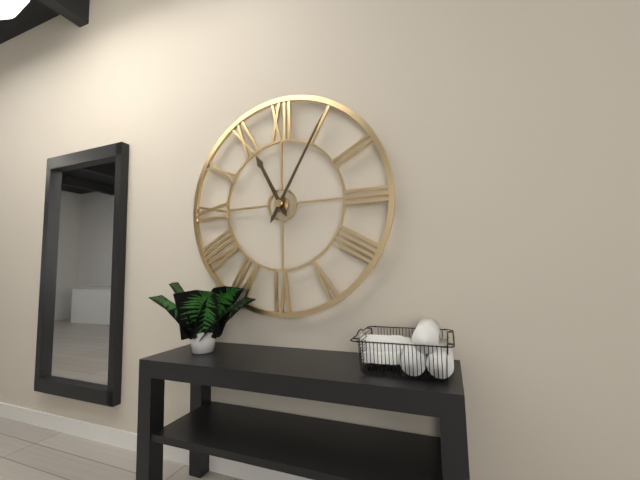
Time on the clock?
11:05
